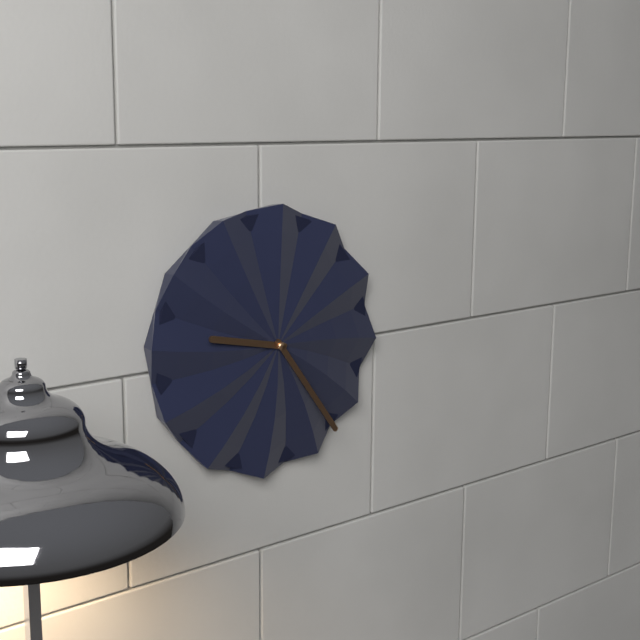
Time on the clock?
9:24
